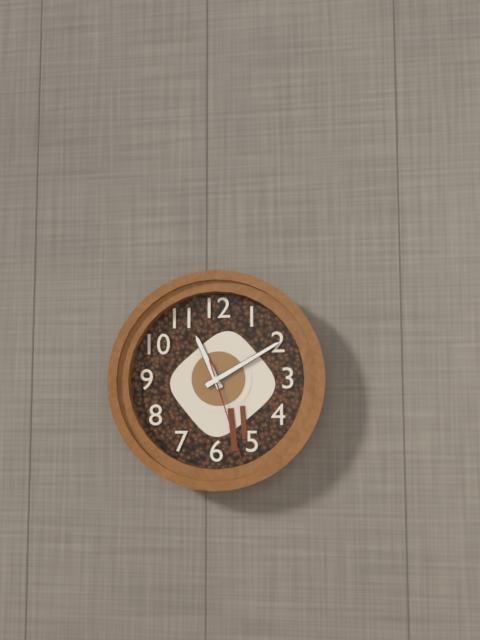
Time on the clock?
11:10:27
